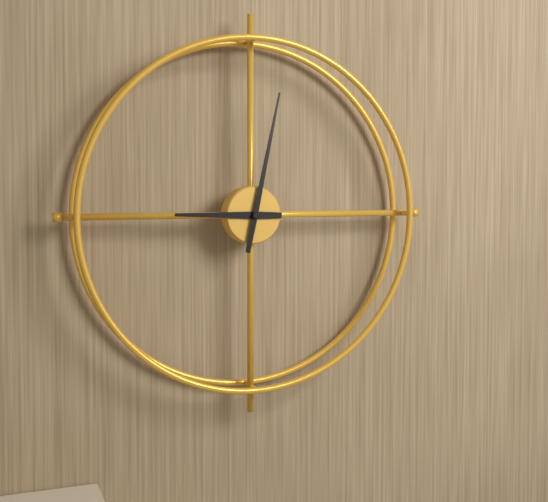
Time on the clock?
9:02
